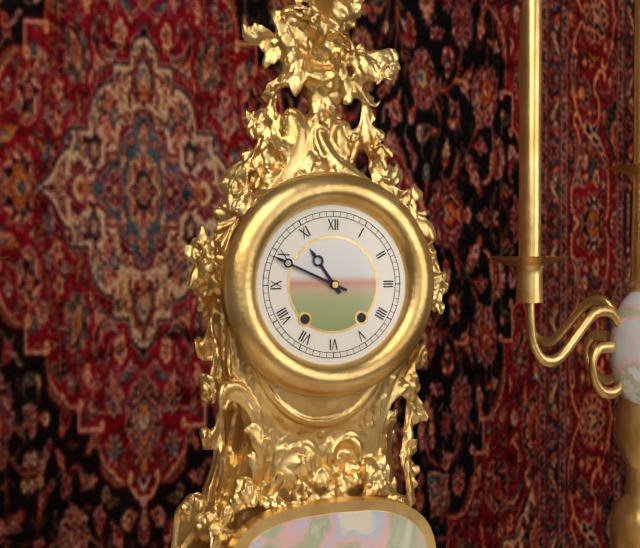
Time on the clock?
10:49
